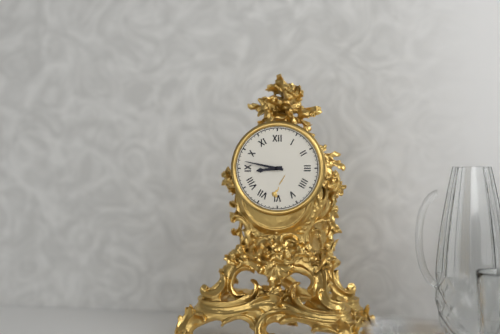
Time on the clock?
8:47
